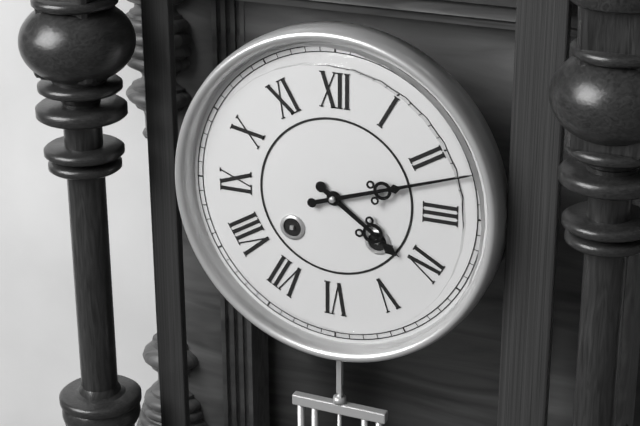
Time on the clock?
4:12
